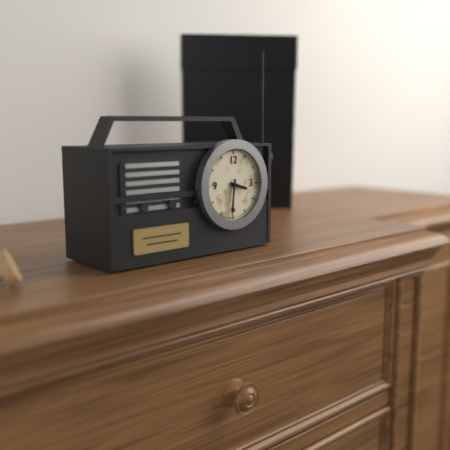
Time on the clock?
3:31
